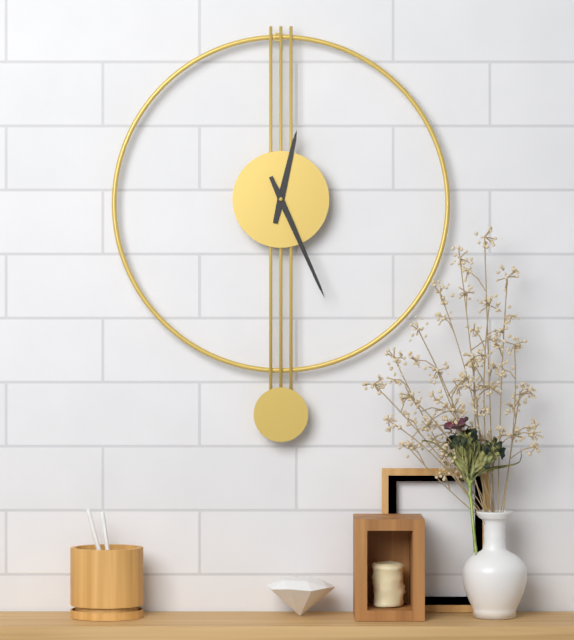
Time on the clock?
12:26
